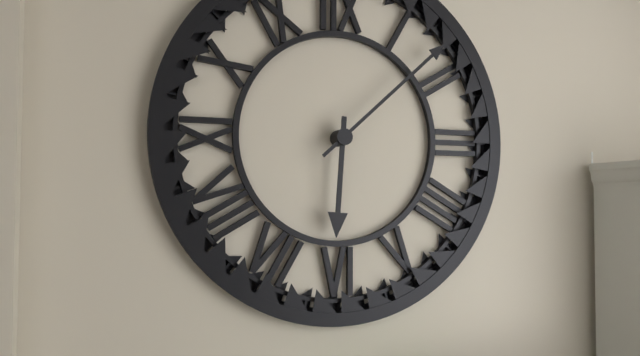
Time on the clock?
6:08
